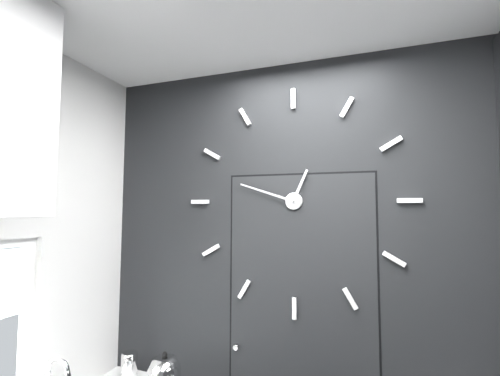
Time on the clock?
12:48
